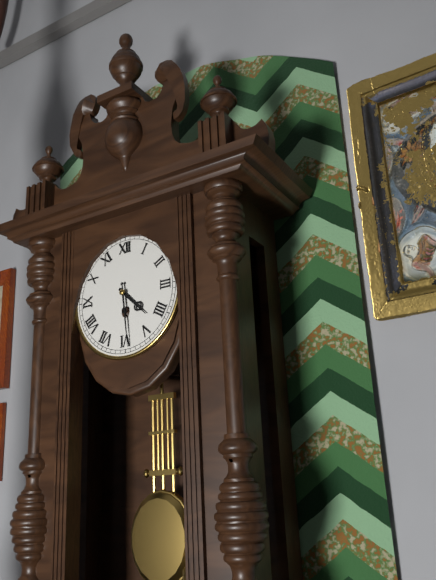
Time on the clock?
4:29
